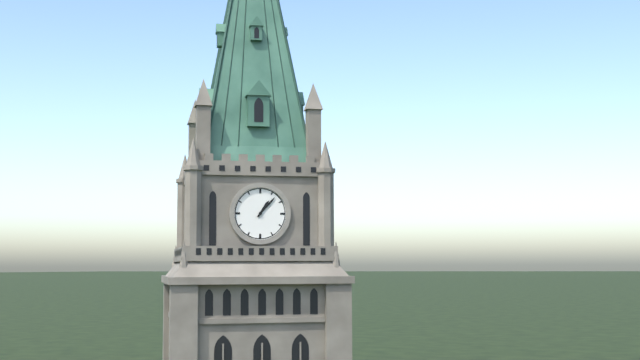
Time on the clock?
1:07
